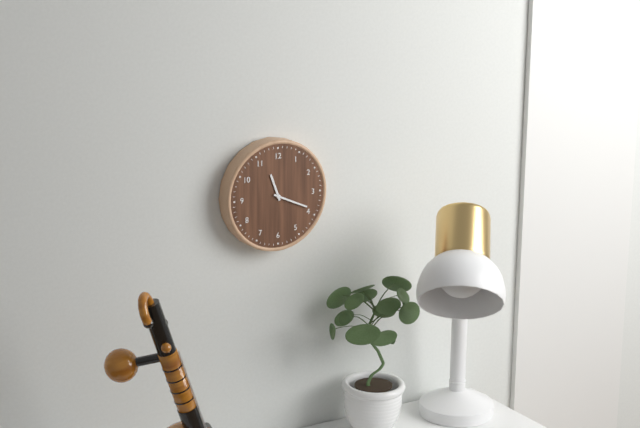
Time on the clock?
11:19
